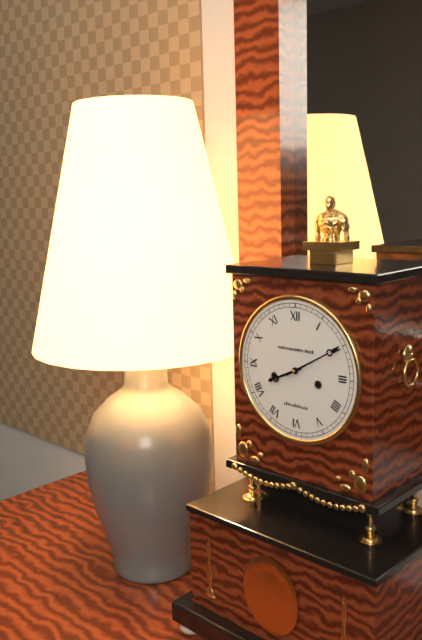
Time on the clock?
8:10
